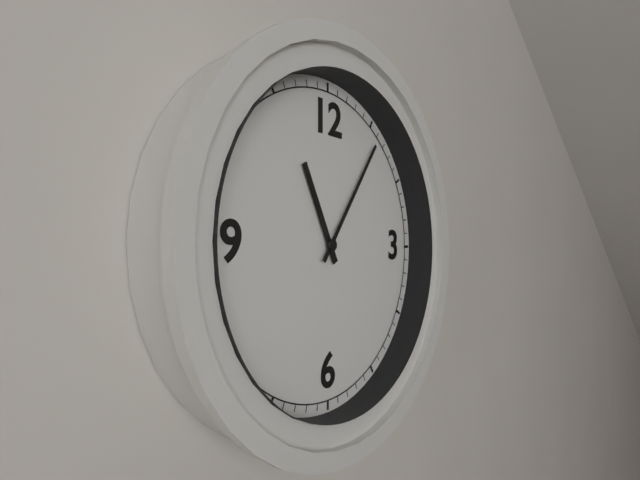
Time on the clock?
11:06
